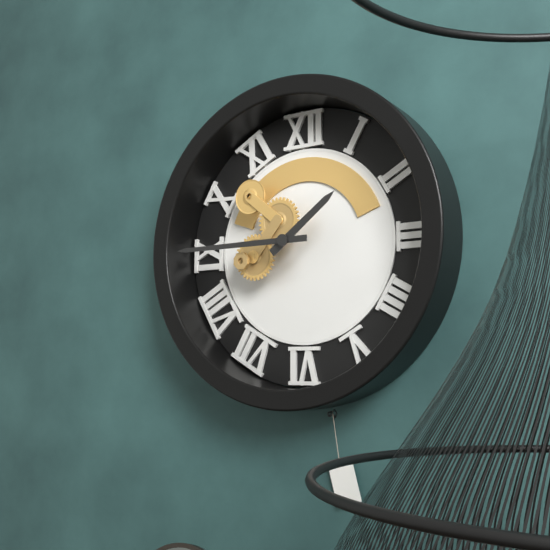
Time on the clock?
1:45
